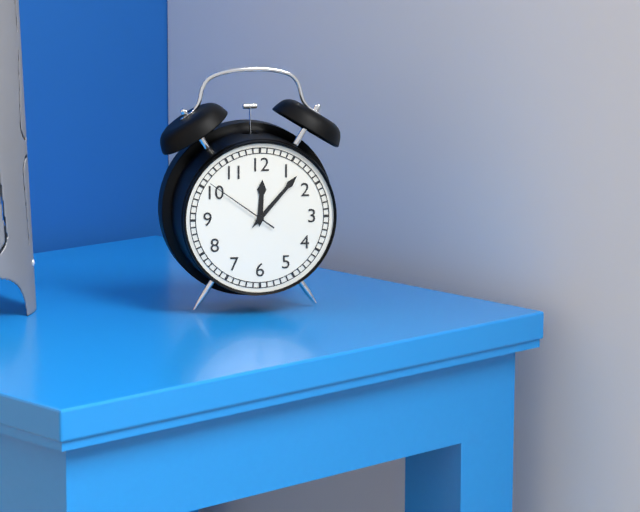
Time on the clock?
12:07:51
